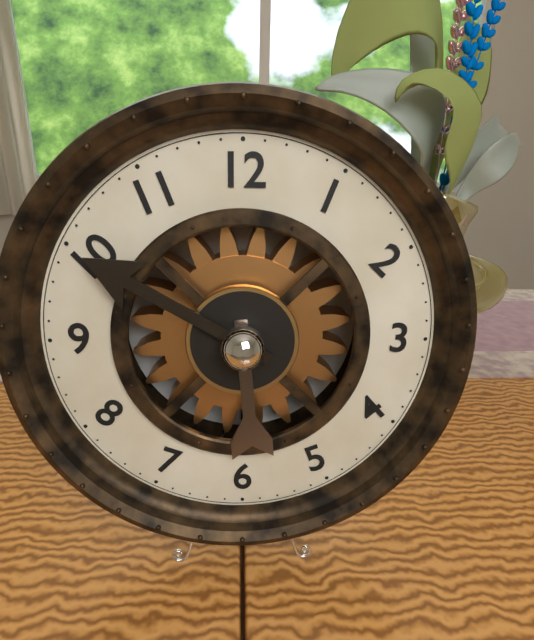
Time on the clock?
5:50
